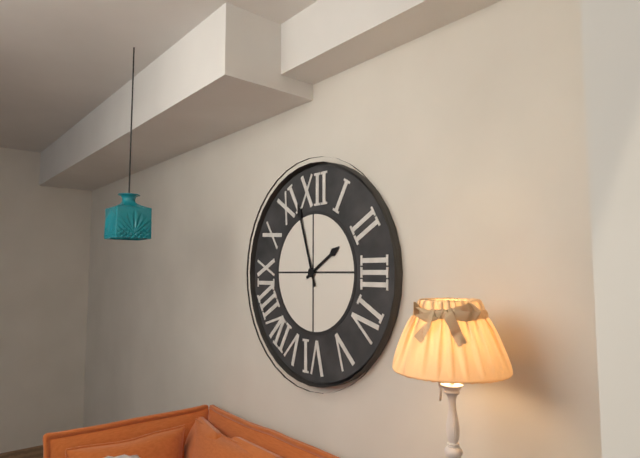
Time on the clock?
1:57
